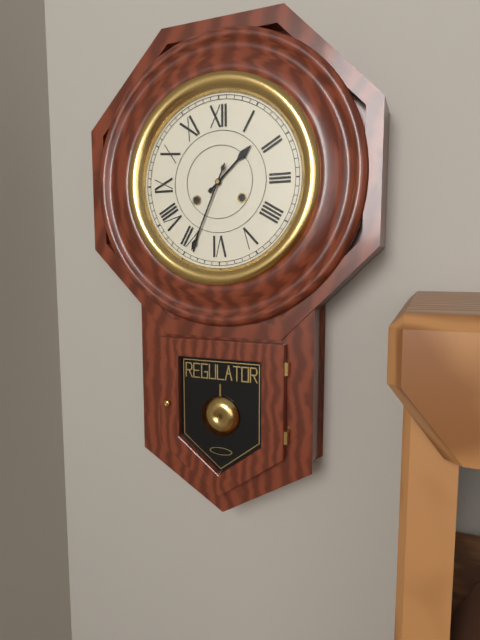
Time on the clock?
1:34
